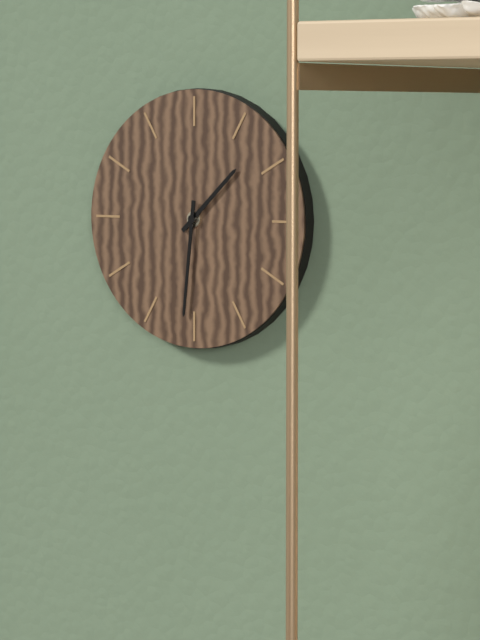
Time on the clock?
1:31
